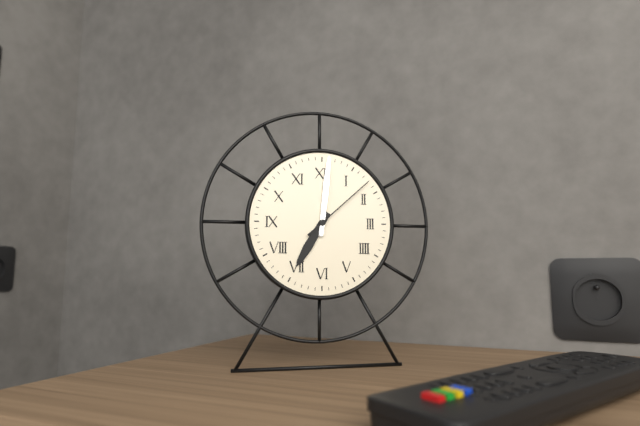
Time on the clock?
7:01:08
